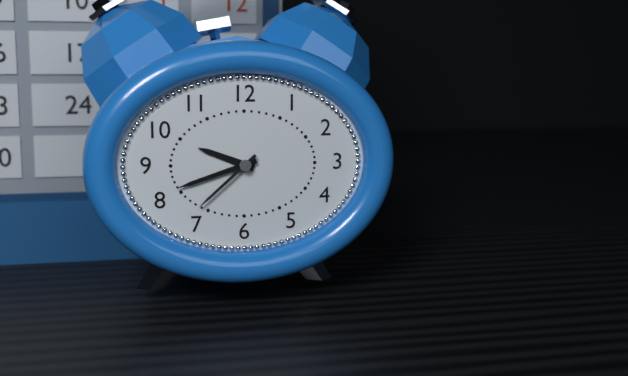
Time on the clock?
9:42:38
